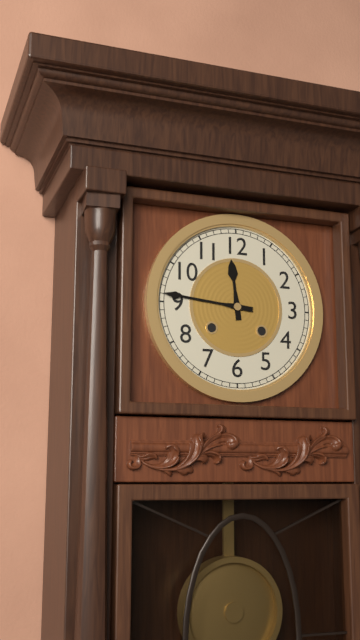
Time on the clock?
11:46
